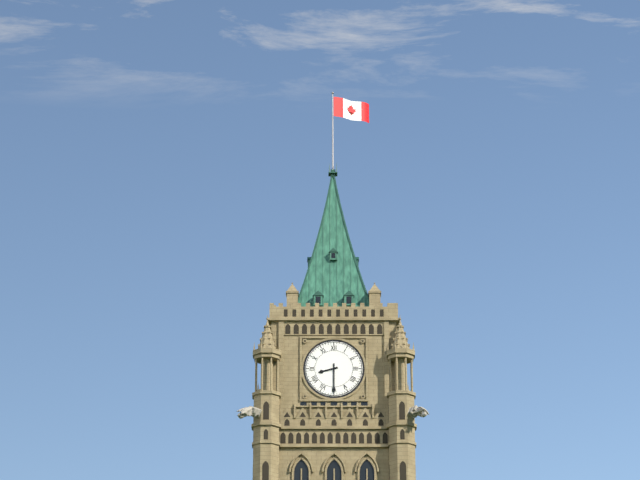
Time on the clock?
8:30
